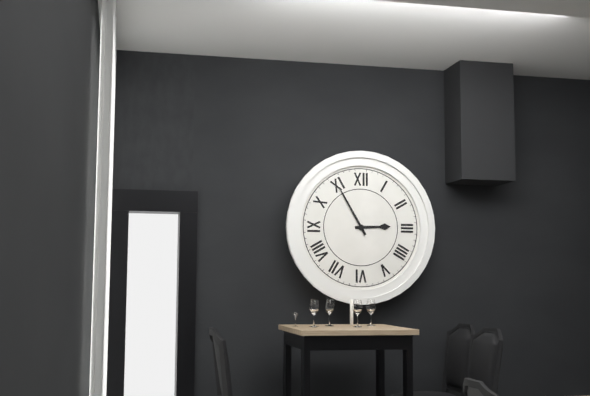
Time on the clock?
2:55
